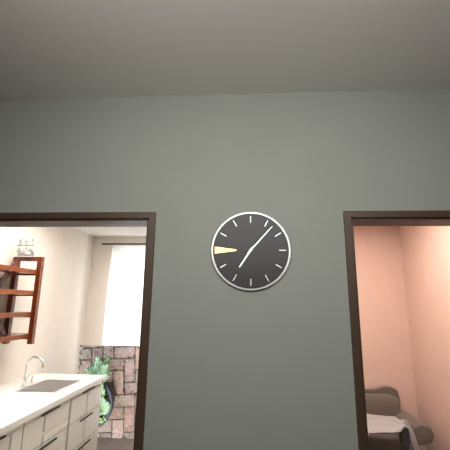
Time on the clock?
7:07
